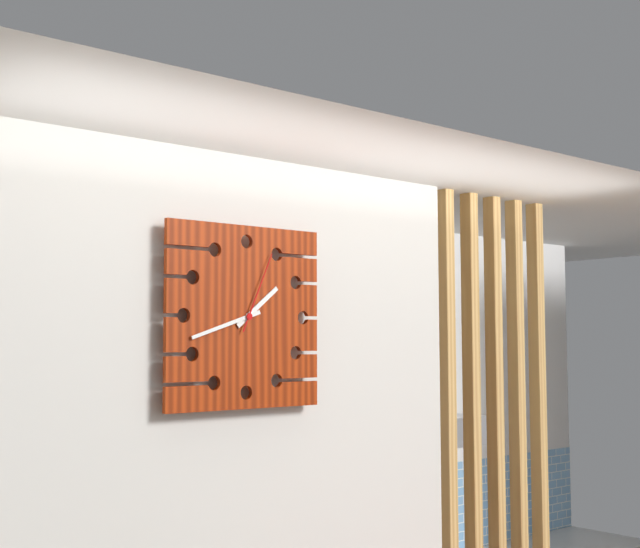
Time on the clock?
1:42:04
